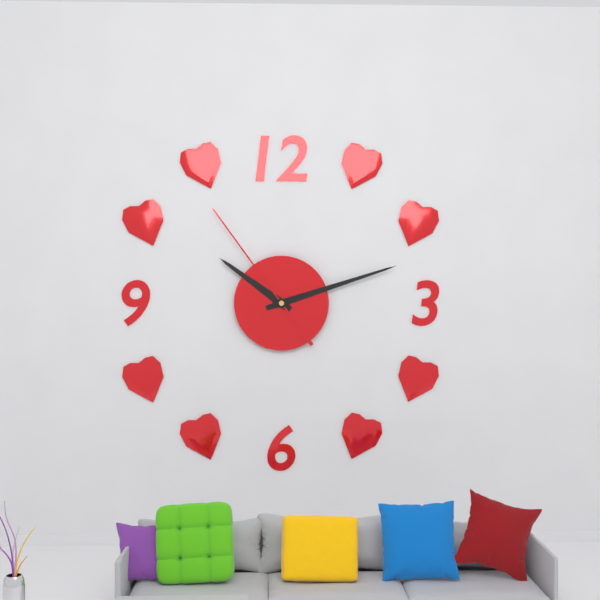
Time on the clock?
10:12:54
